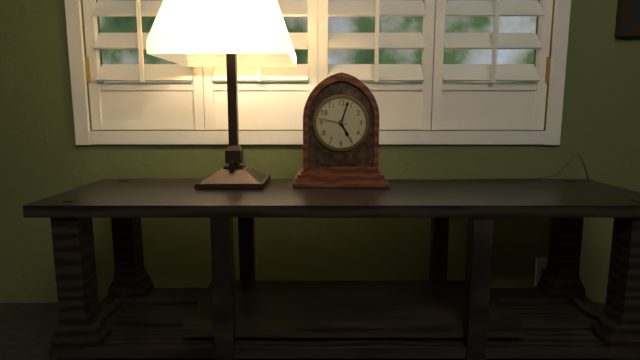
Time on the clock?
5:03
